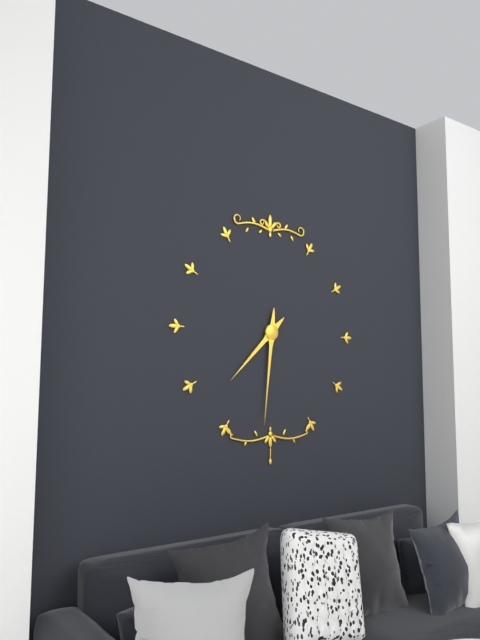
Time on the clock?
7:31
